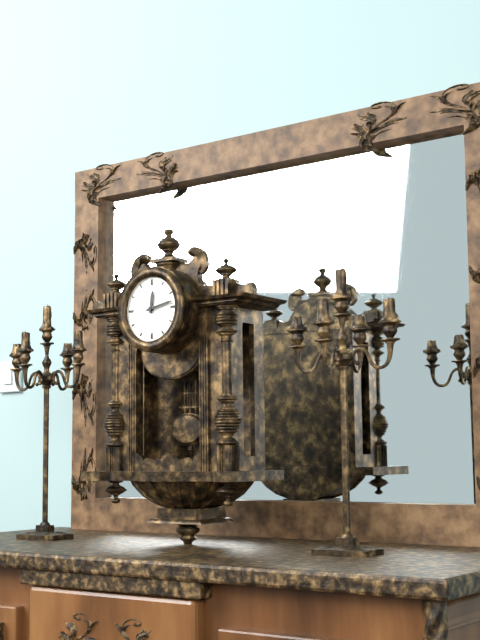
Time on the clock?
12:13
